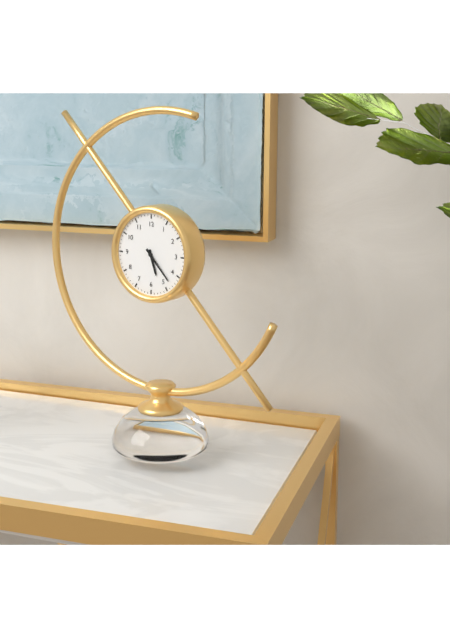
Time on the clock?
5:23
